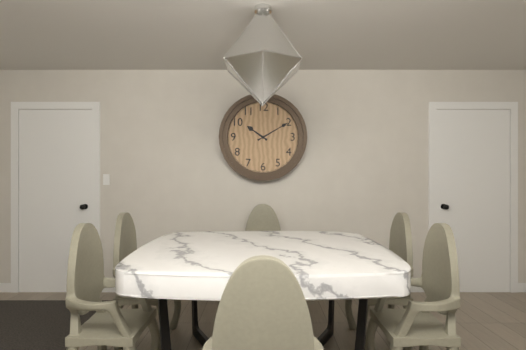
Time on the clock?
10:10
